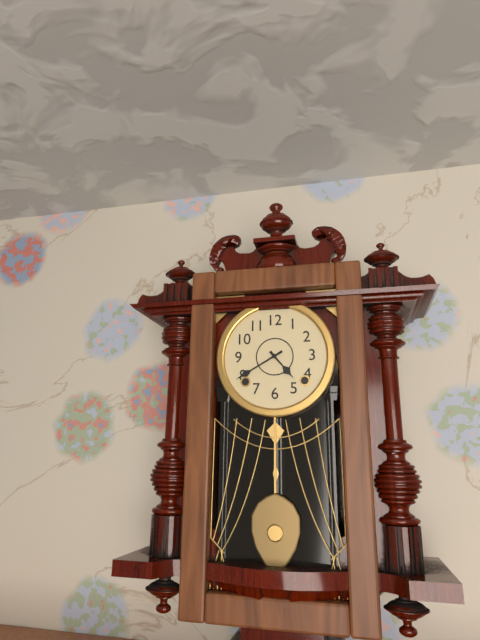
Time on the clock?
4:40
